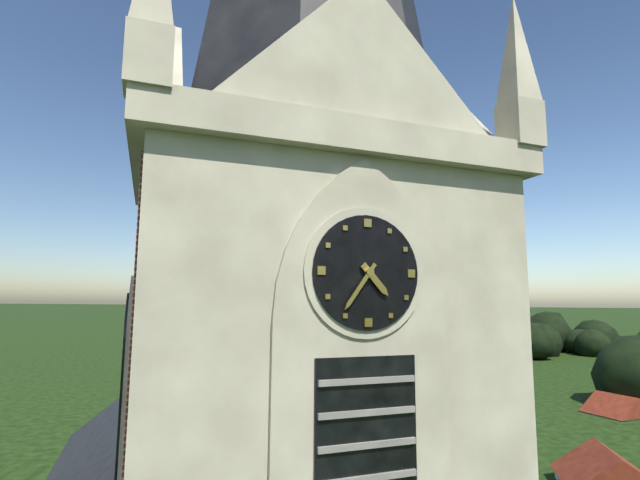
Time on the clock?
4:36
